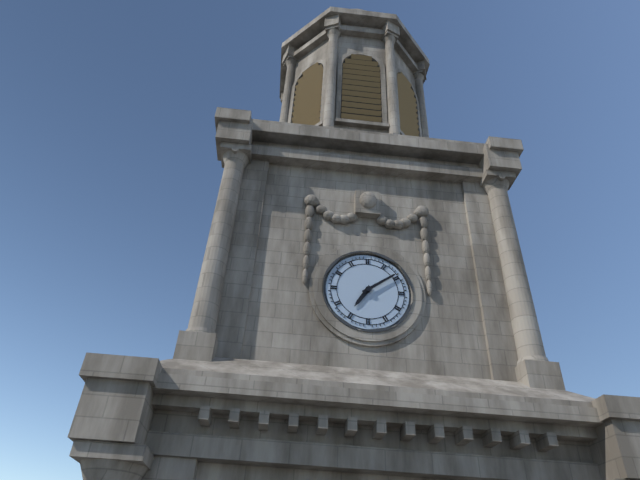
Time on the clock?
7:09
